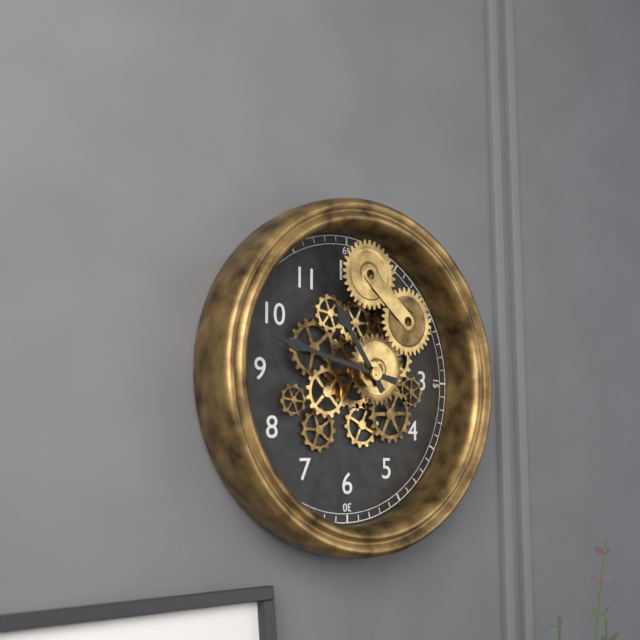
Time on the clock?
10:47
